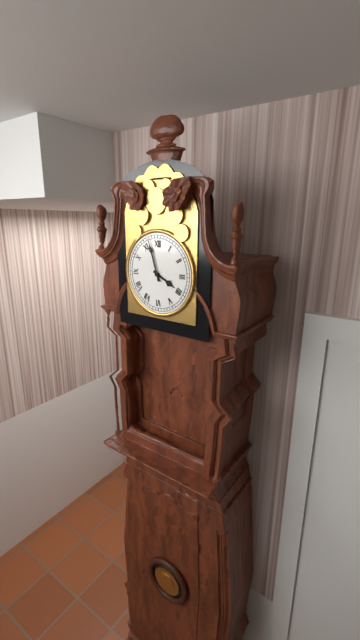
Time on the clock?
3:57
